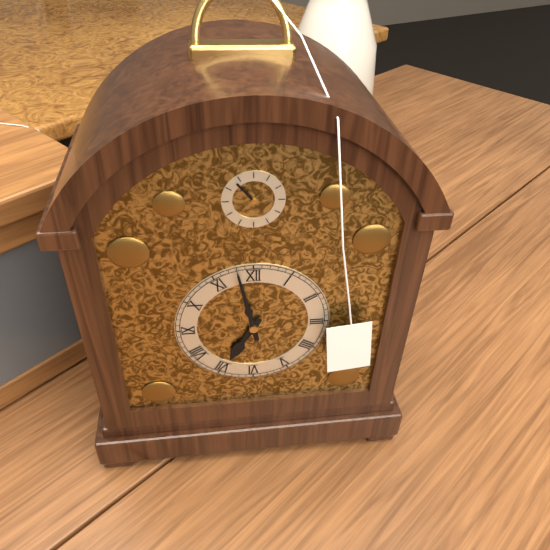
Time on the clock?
6:58
